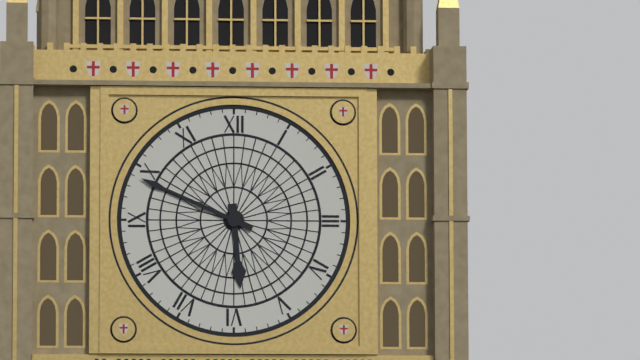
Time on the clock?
5:49
